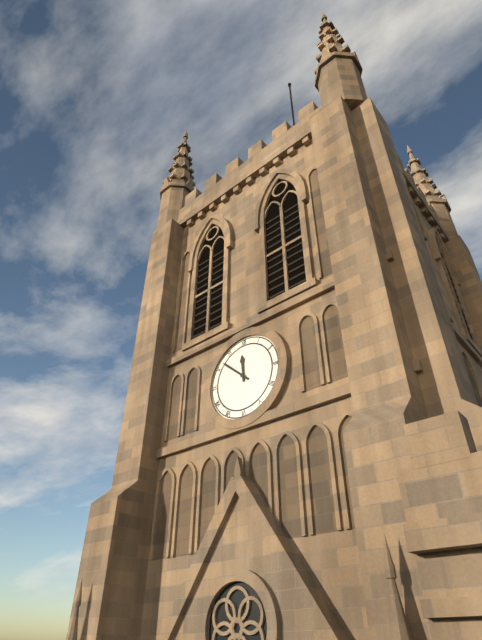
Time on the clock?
11:52
